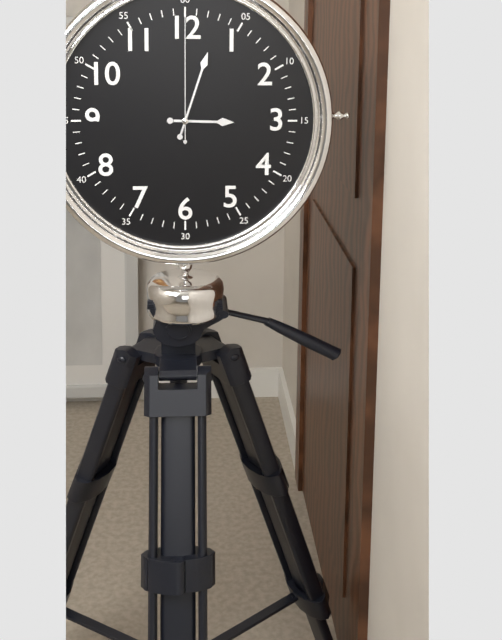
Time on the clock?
3:03:00
